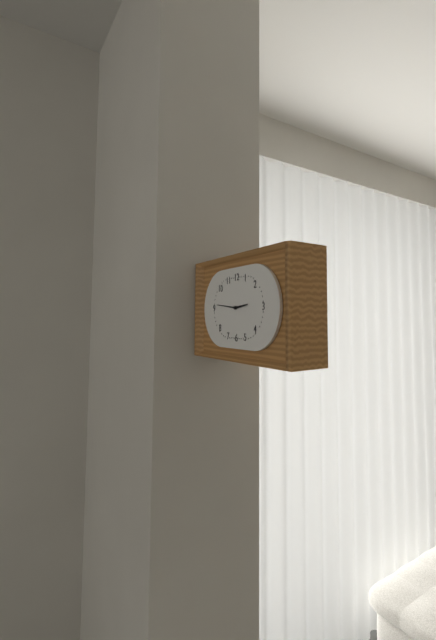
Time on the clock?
2:46
